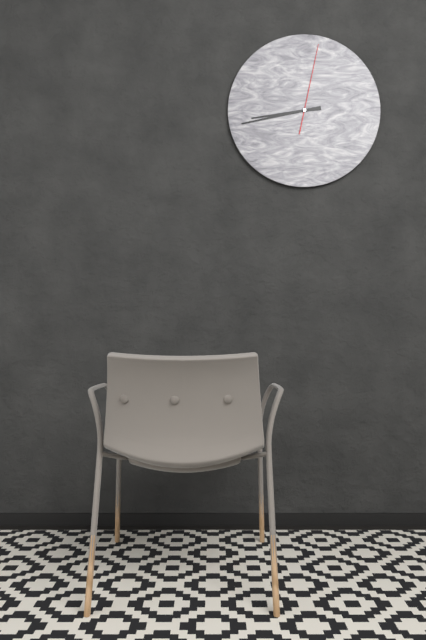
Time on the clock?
8:43:02
